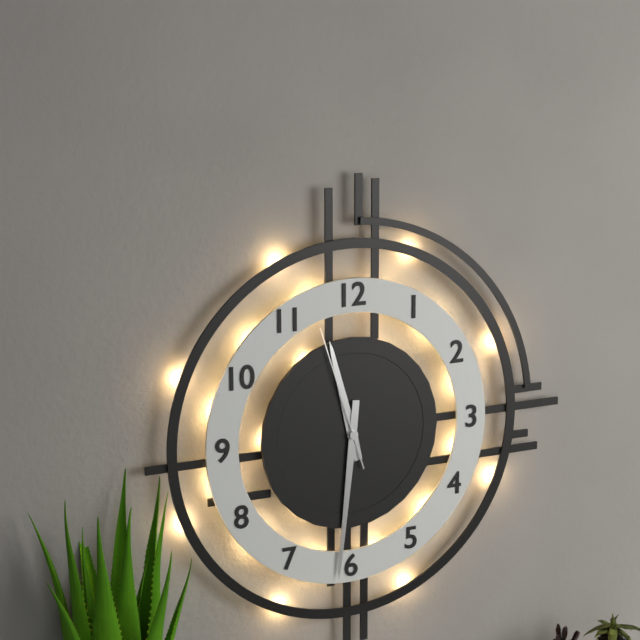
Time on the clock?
11:31:57
